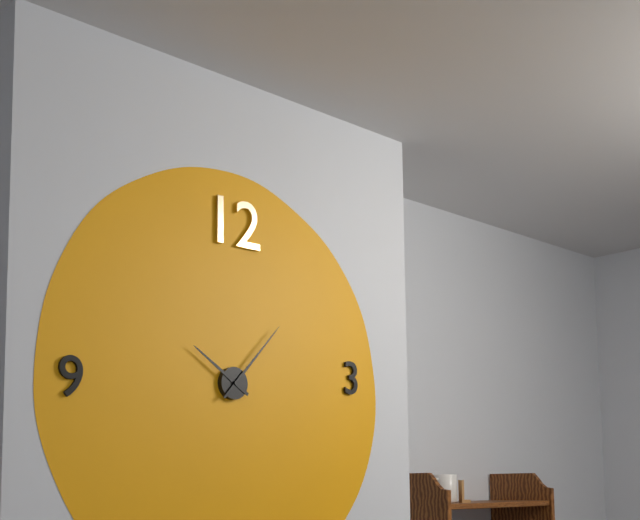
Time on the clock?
10:07
